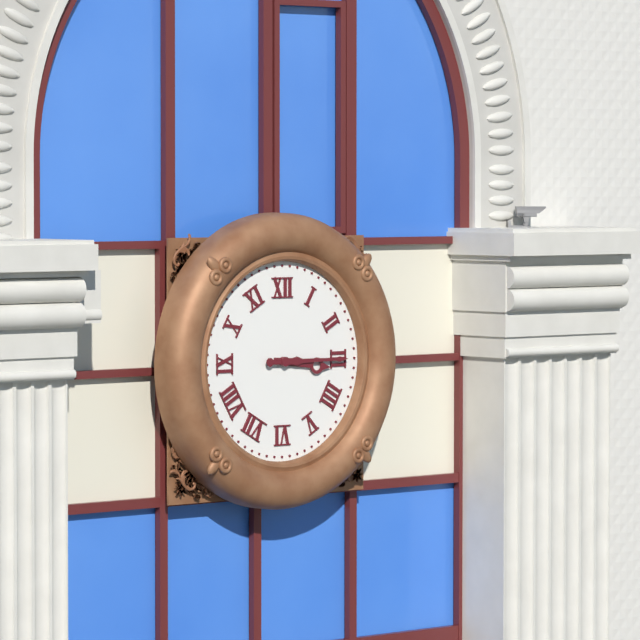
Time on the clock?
3:15
